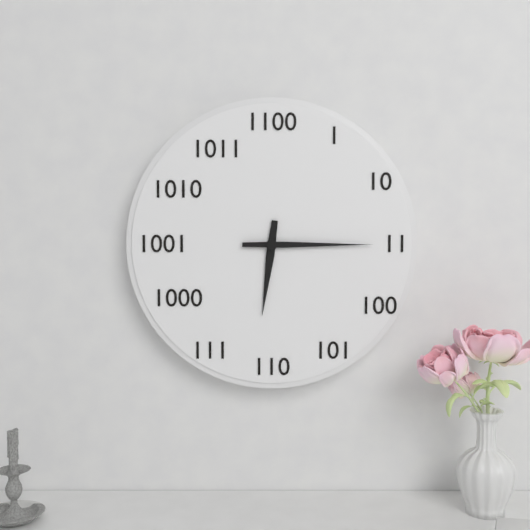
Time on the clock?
6:15
